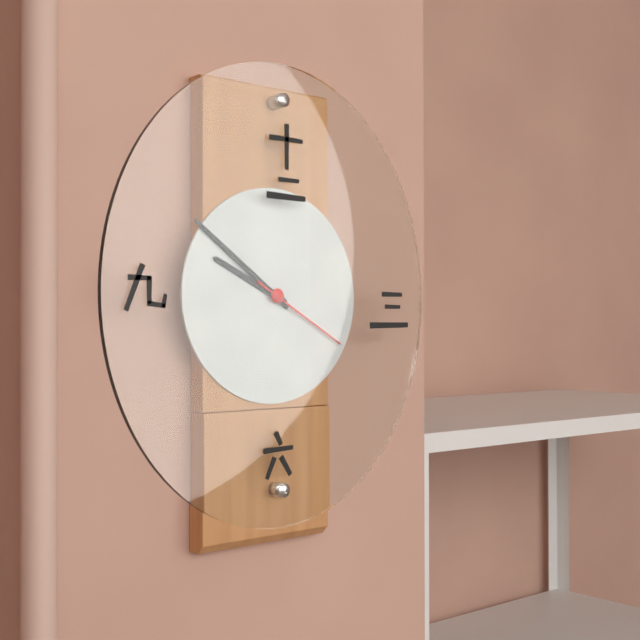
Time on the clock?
9:51:20
